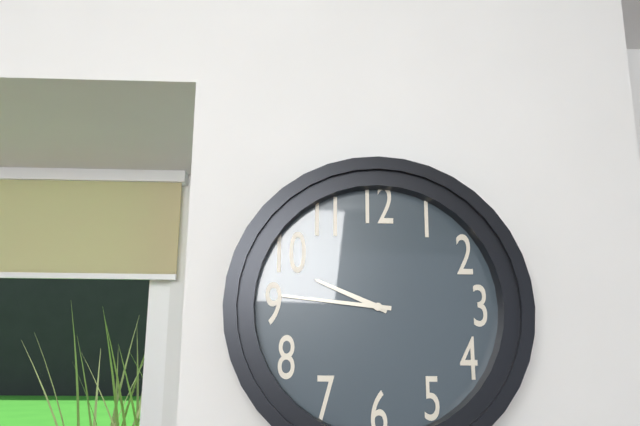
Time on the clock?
9:46
